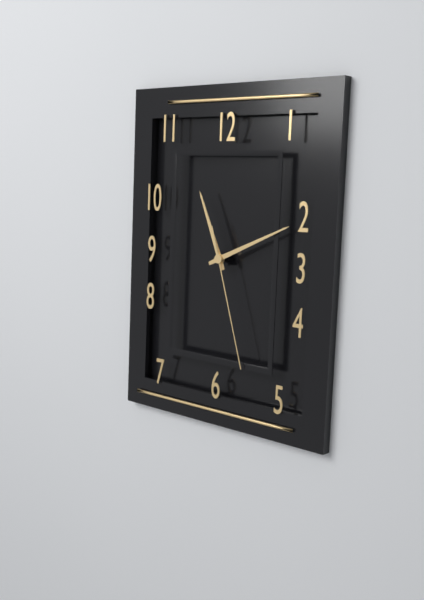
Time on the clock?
11:11:27
